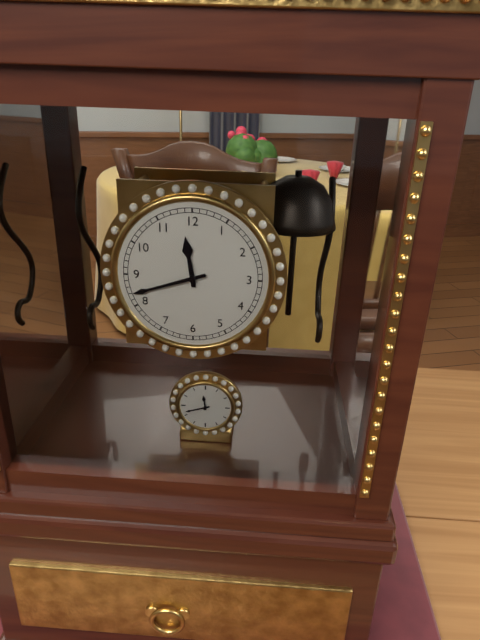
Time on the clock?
11:42
